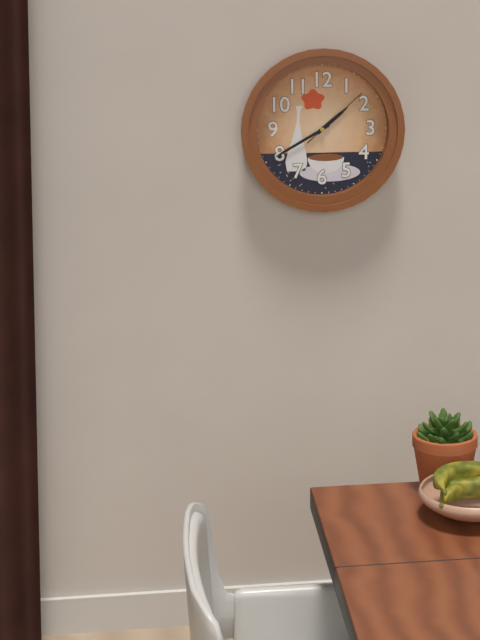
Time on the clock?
1:40:08
